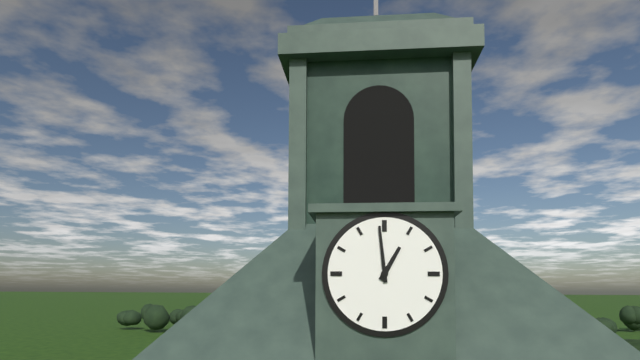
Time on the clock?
12:59
